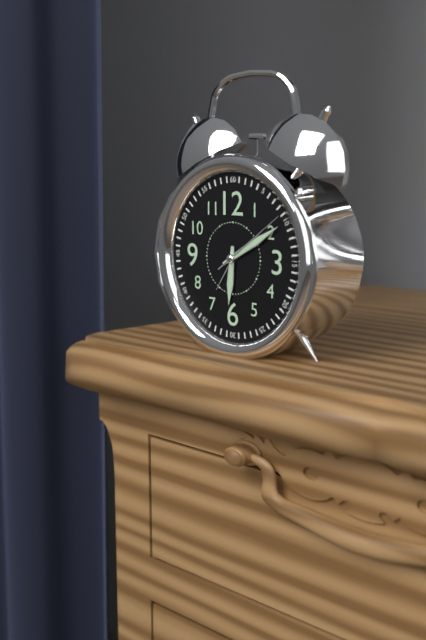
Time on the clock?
6:10:09
